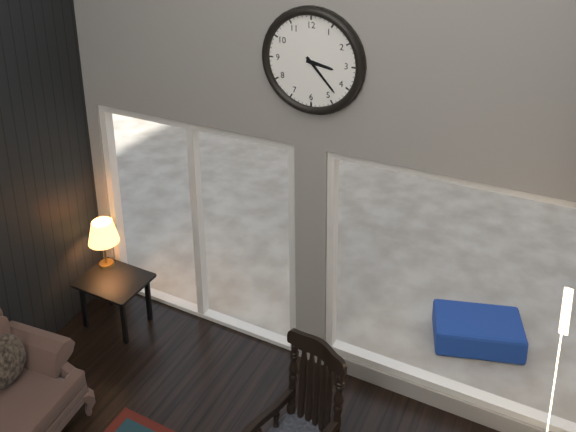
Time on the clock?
3:23
